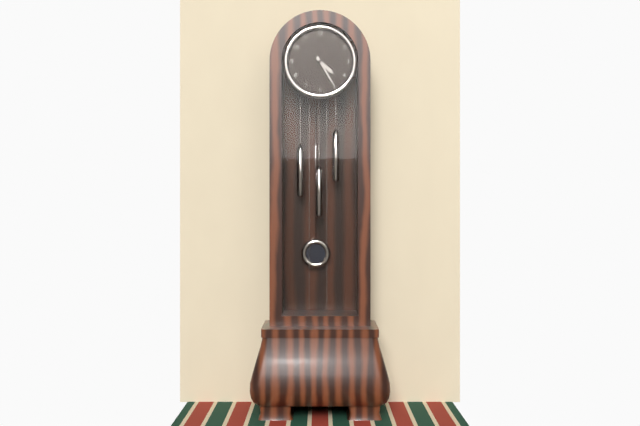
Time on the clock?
4:25
